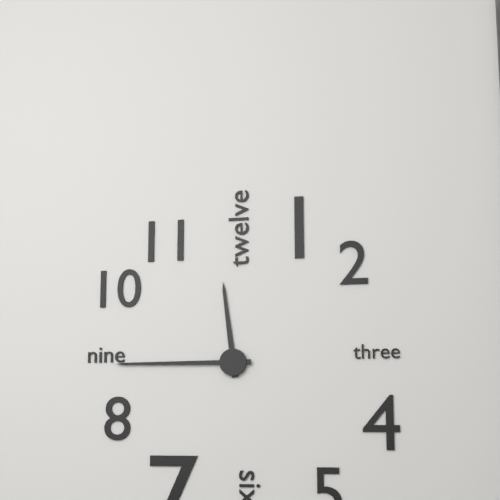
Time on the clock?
11:45
